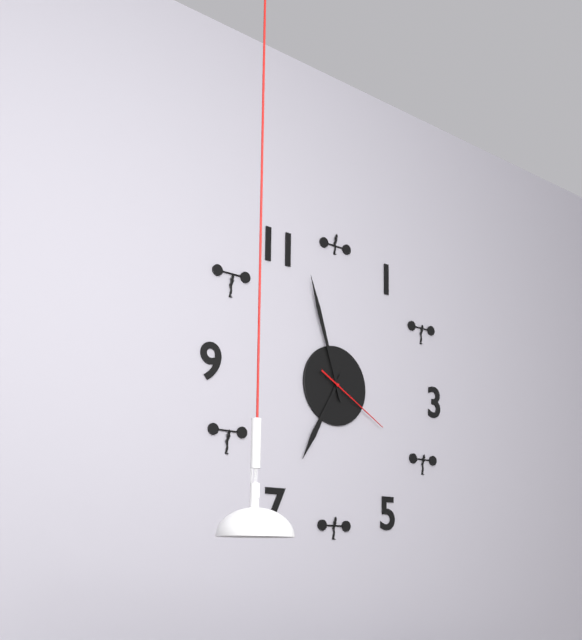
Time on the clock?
6:57:20
